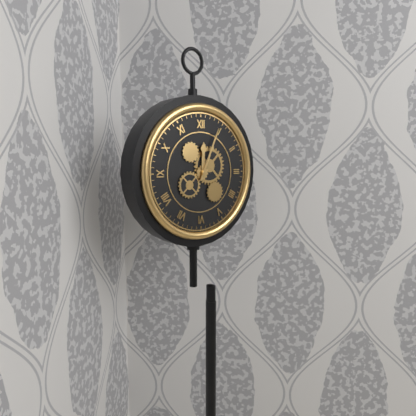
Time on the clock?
12:04
